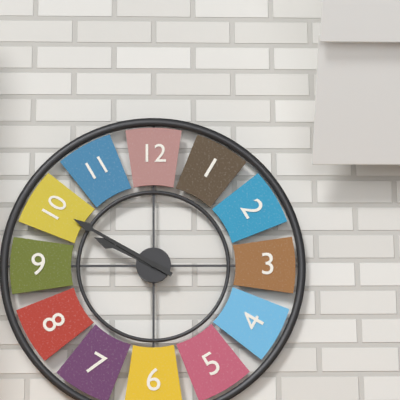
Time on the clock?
9:50
